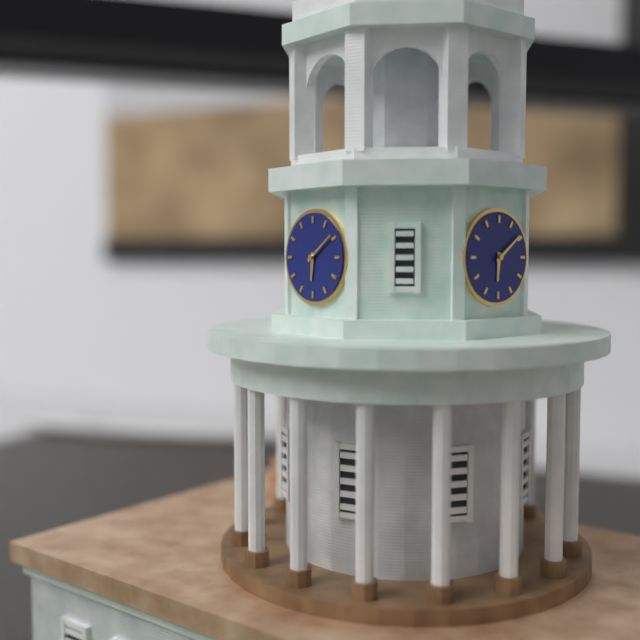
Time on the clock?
6:09
